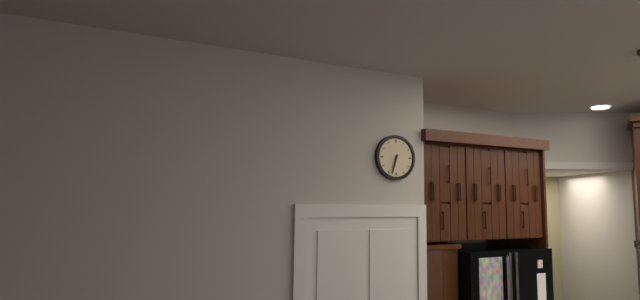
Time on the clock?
6:33
